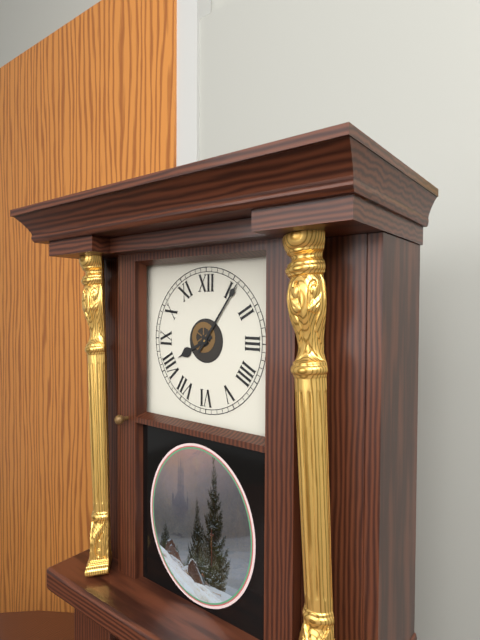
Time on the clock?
8:06
